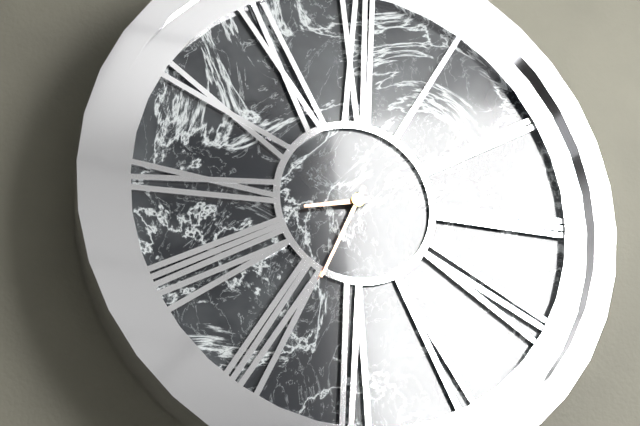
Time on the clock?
8:34
